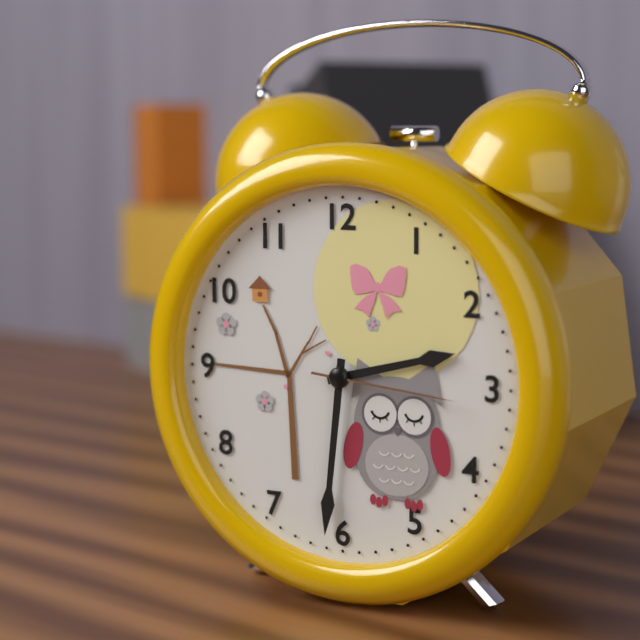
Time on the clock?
2:31:16
